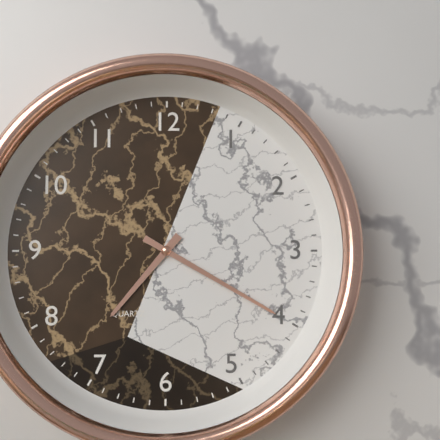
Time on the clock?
7:20
